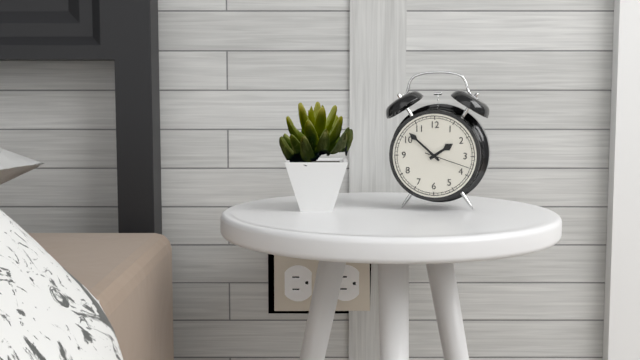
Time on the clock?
1:52
